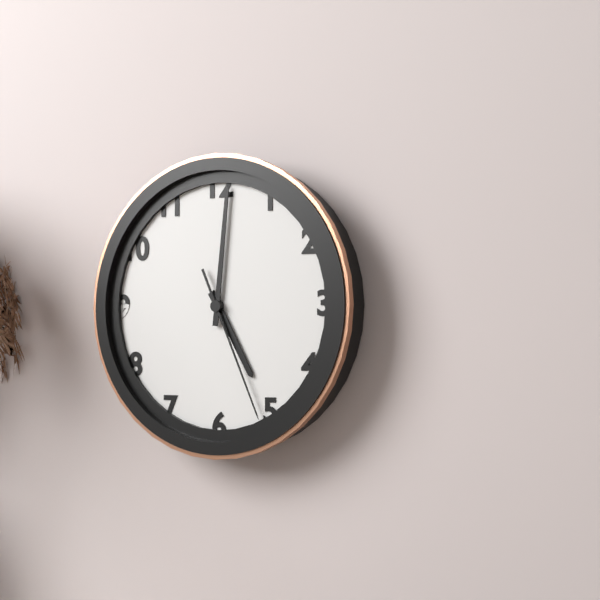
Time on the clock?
5:01:26
